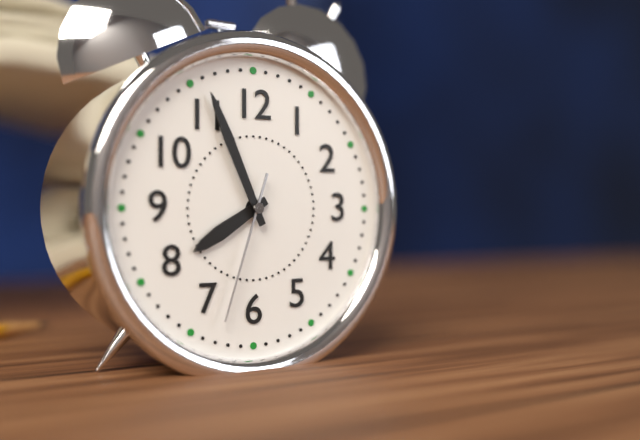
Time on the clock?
7:56:33
